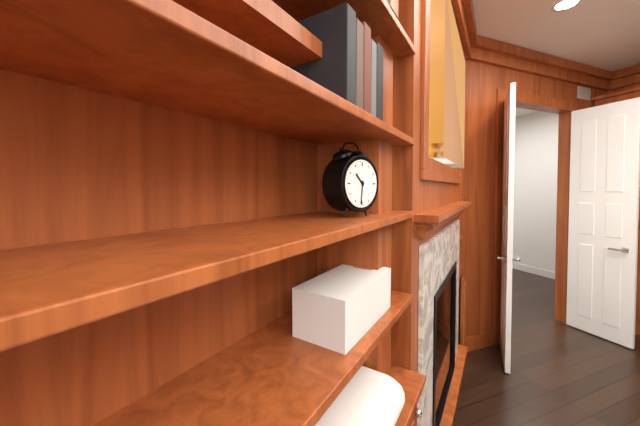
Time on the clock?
10:31
